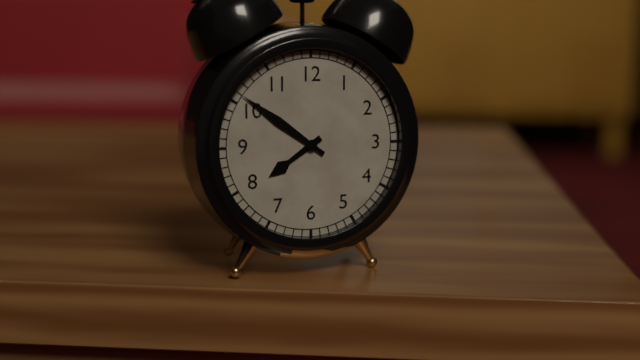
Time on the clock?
7:51
